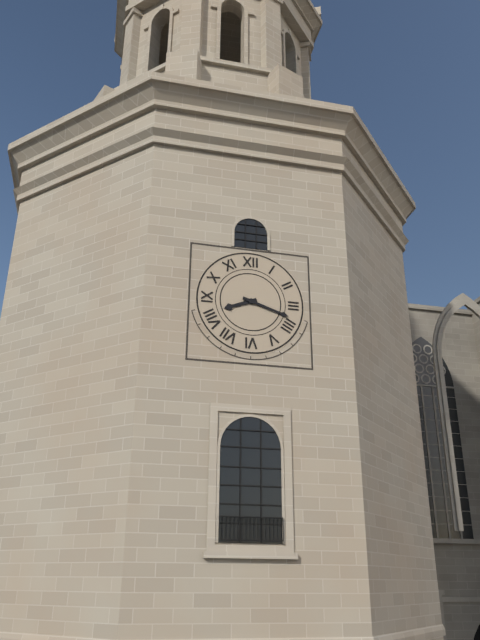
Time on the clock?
8:18
